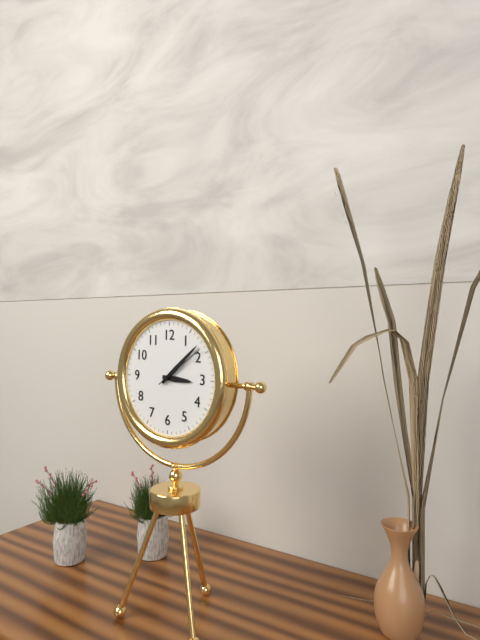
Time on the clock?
3:08:09
